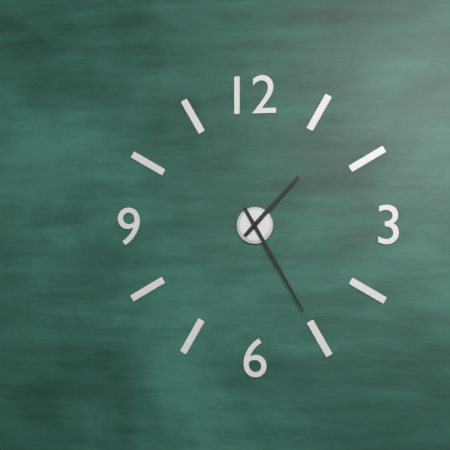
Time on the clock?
1:25
